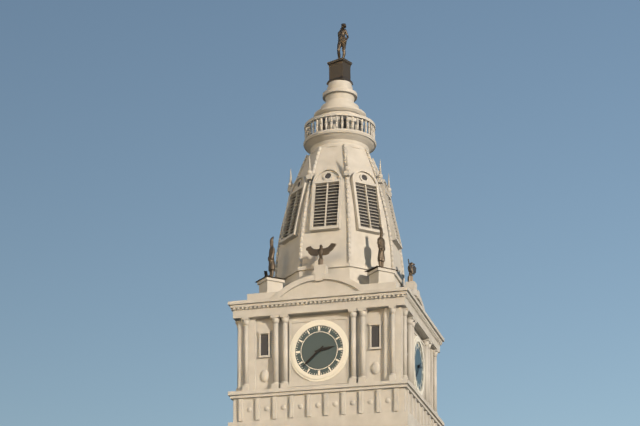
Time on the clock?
2:38
